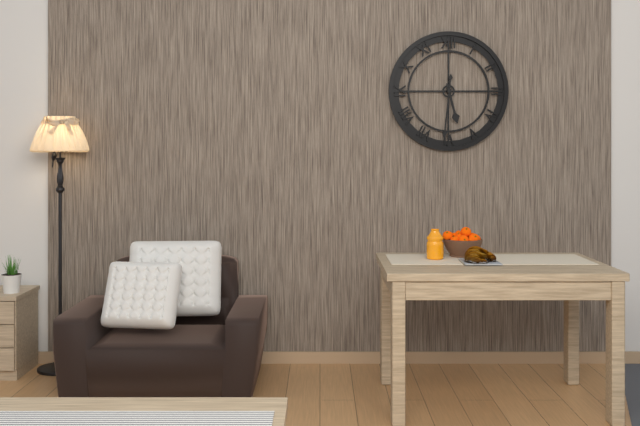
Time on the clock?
5:31
